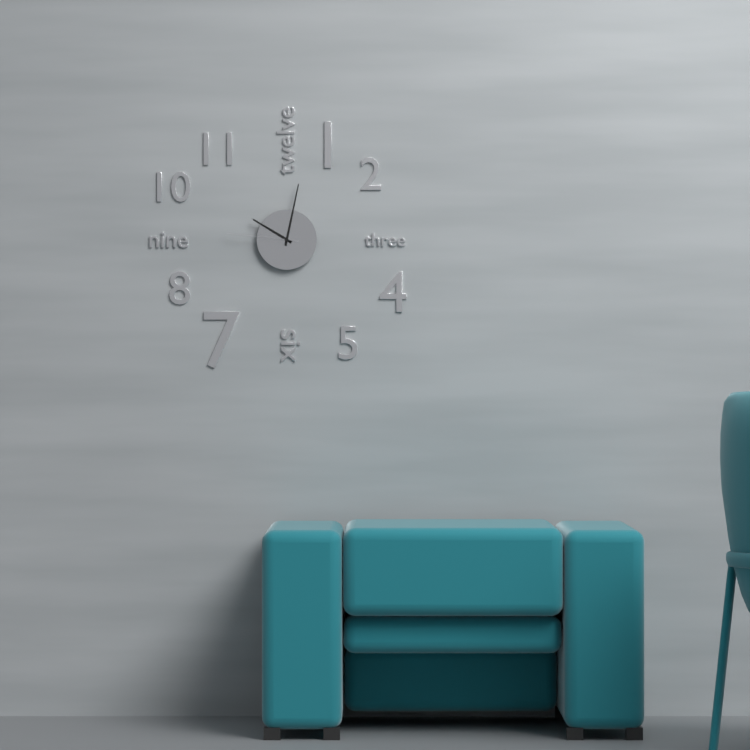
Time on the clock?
10:02:46
